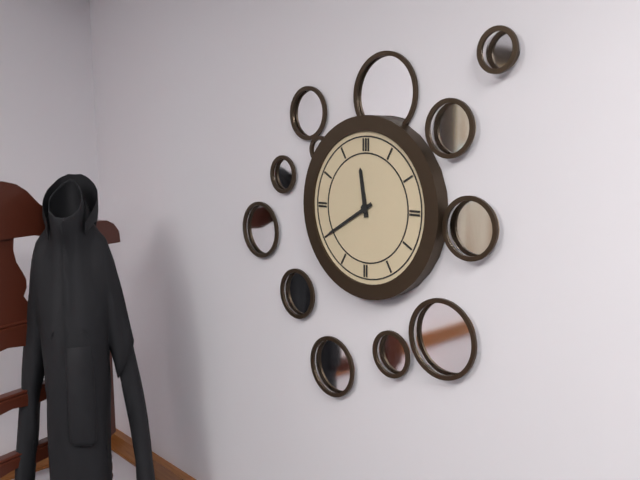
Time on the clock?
11:40
